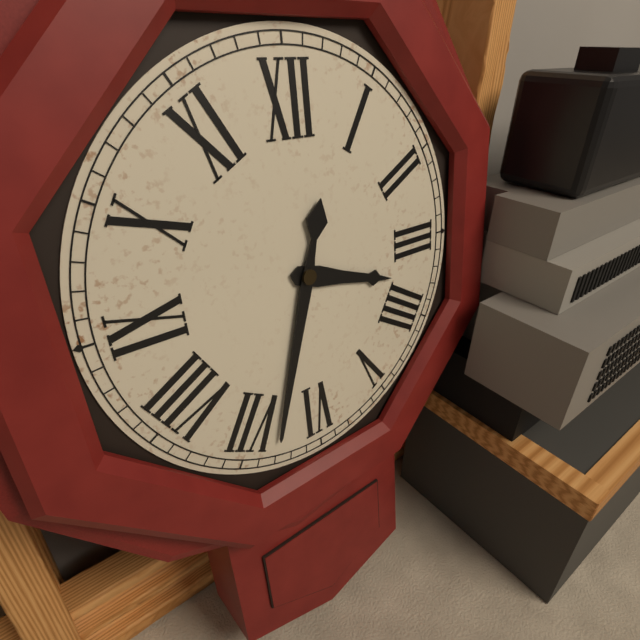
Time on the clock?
3:33
